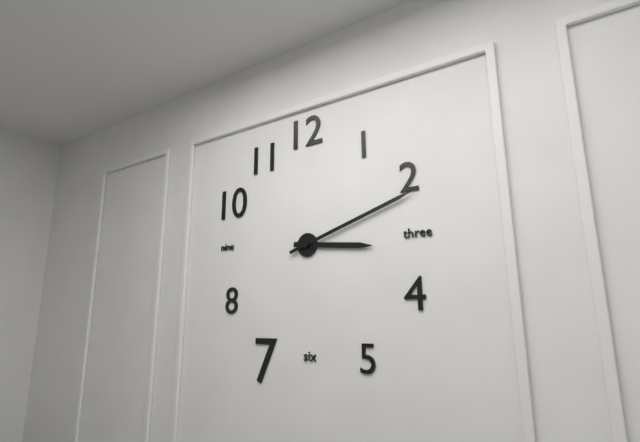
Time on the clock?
3:12
